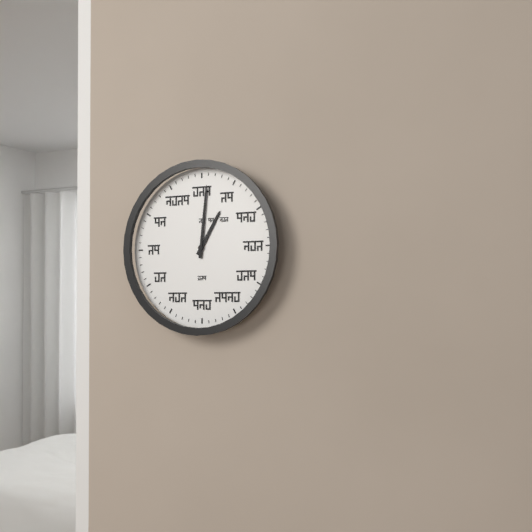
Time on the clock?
1:01
